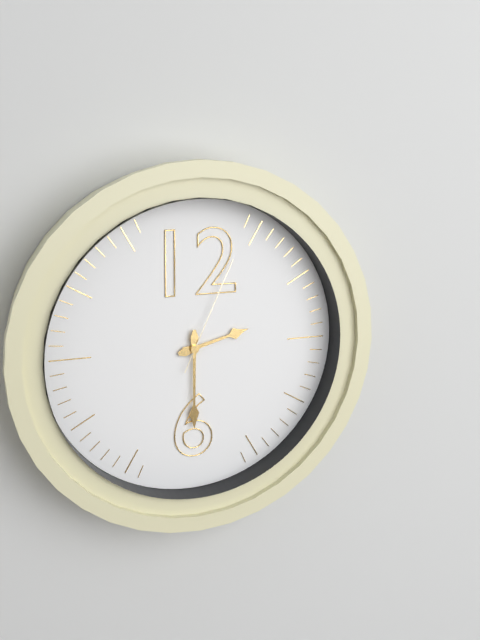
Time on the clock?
2:30:04
